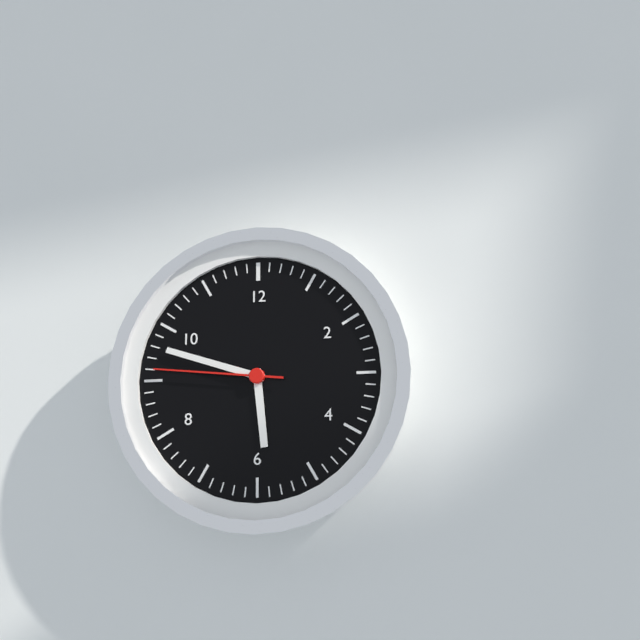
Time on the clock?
5:48:46
